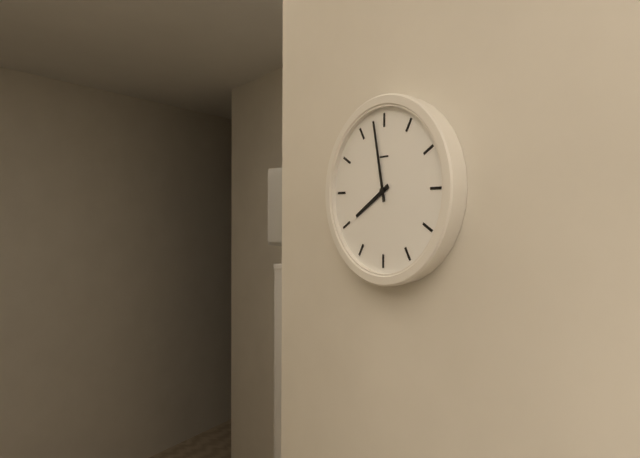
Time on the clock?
7:58
